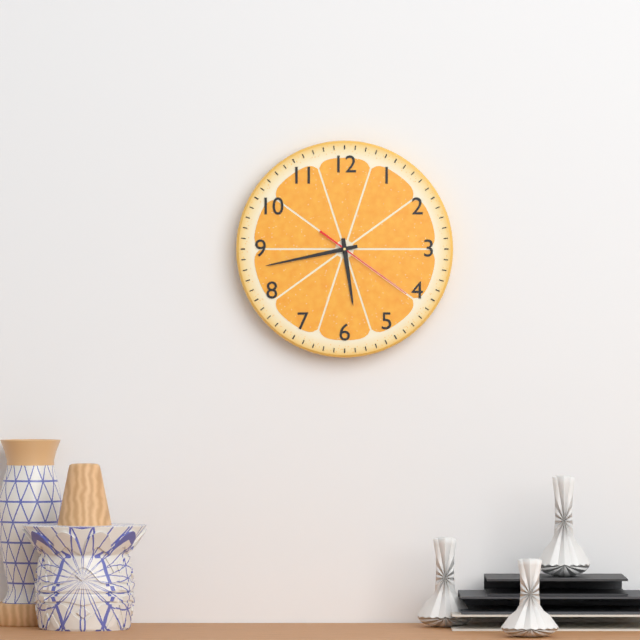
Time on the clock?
5:43:21
